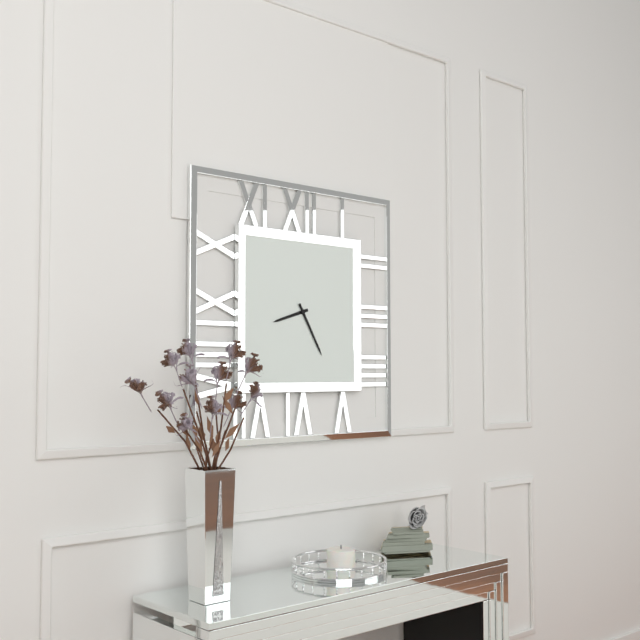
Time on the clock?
8:25
